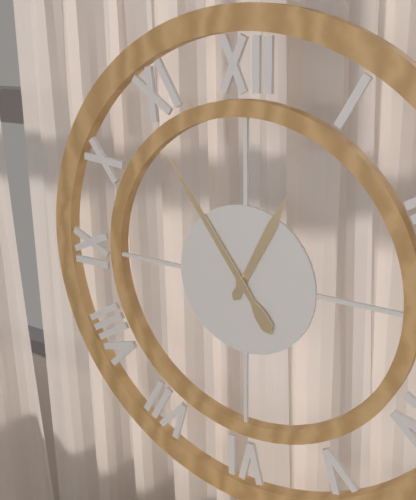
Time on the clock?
12:54
